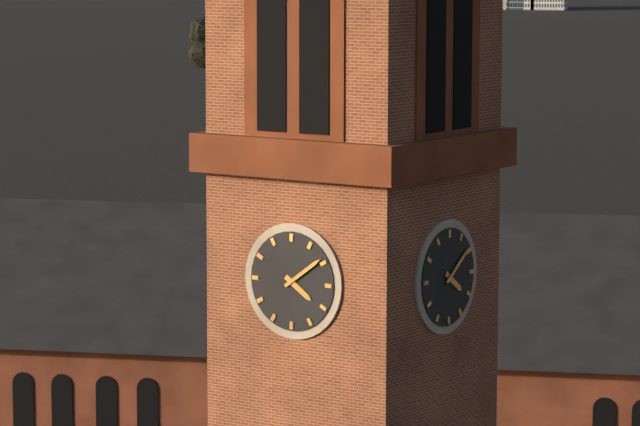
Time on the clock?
4:09
